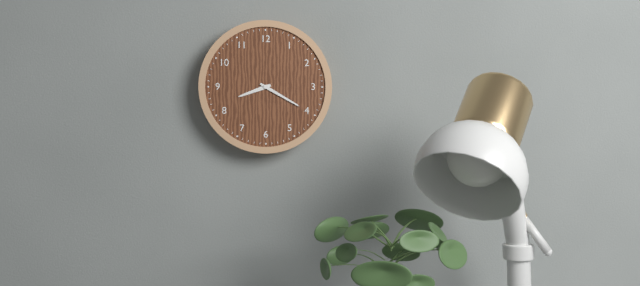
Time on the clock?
8:20
